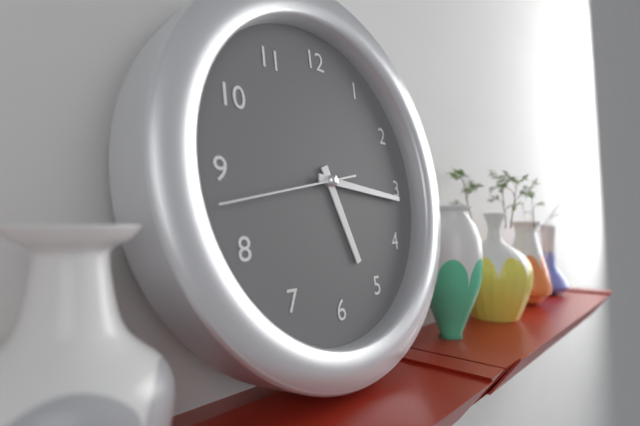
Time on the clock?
5:16:43
